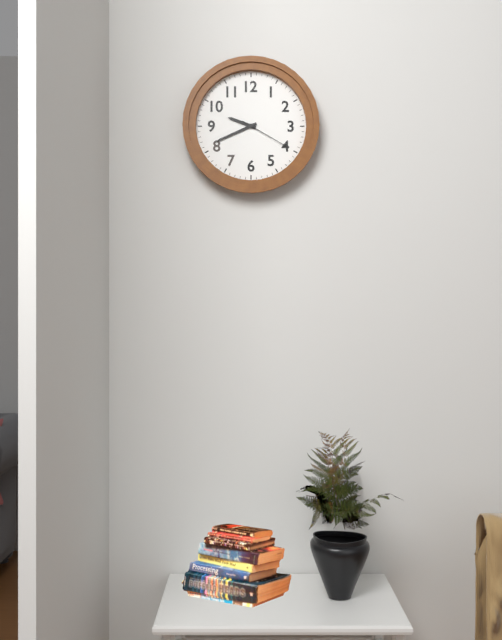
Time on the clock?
9:41:20
